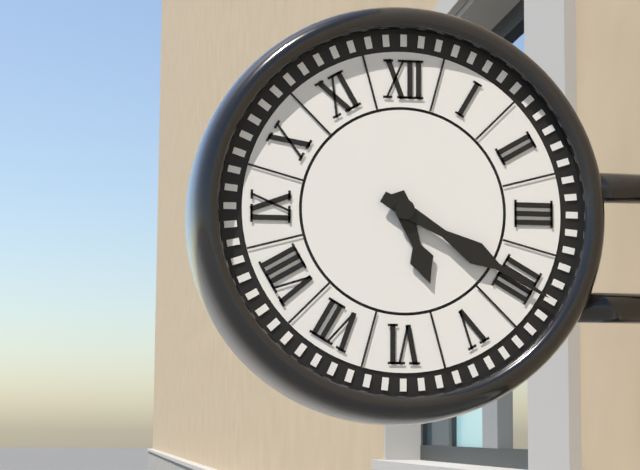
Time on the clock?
5:20
